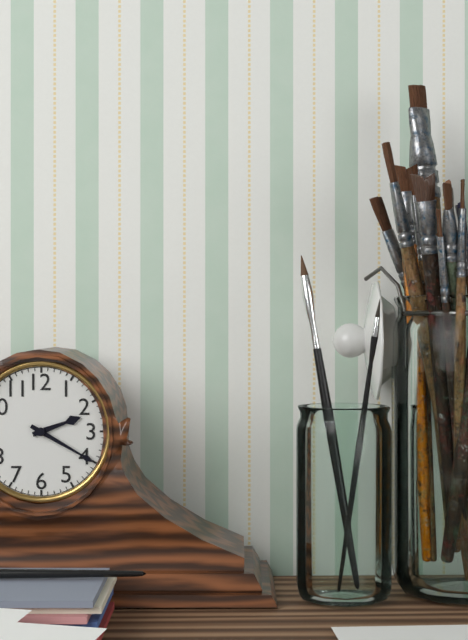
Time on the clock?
2:20
